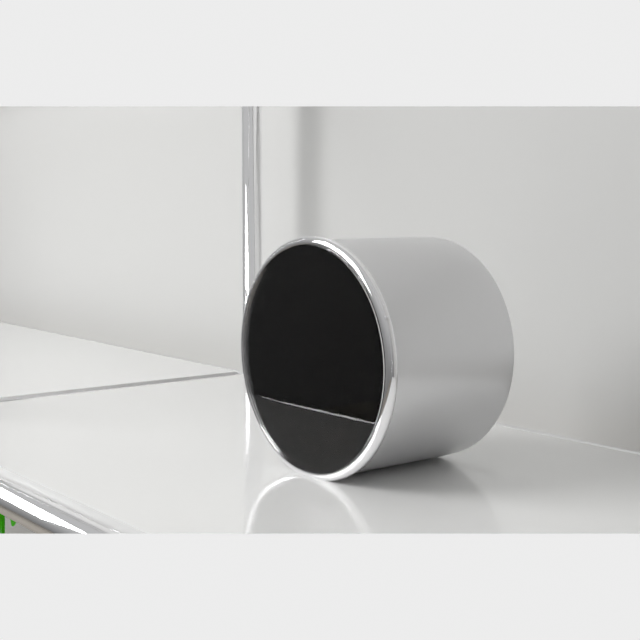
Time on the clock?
1:35:08
